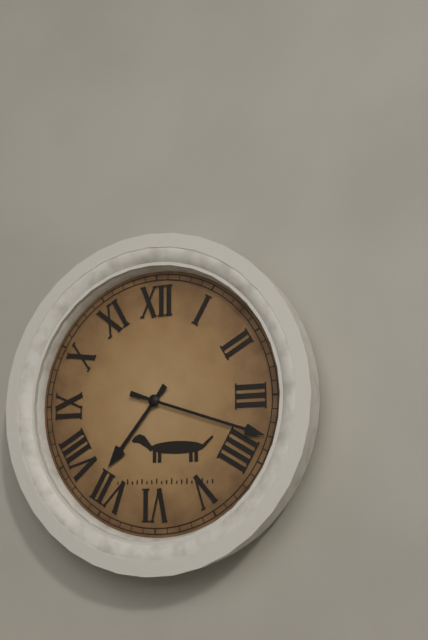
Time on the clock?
7:18
